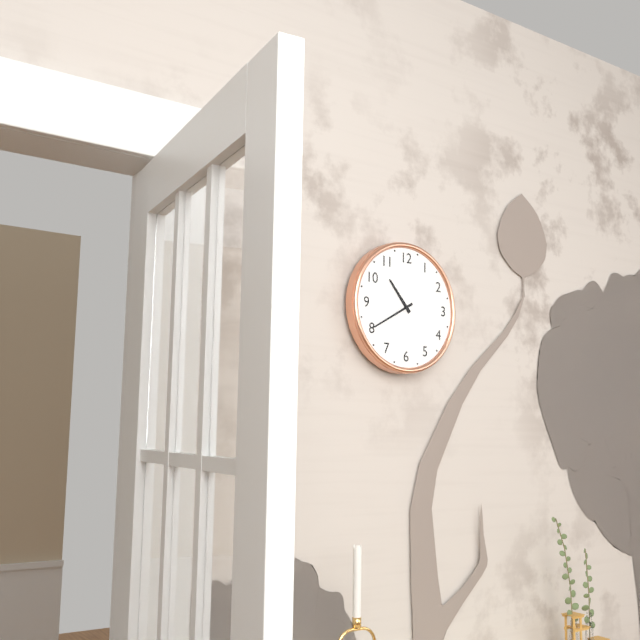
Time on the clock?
10:40
